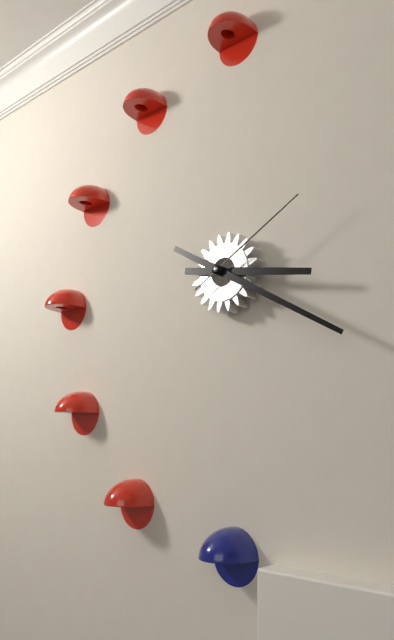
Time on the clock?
3:20:10
